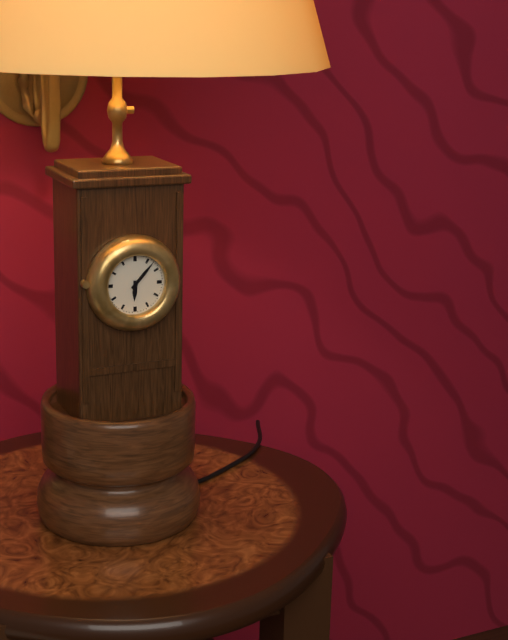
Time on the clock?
6:07
